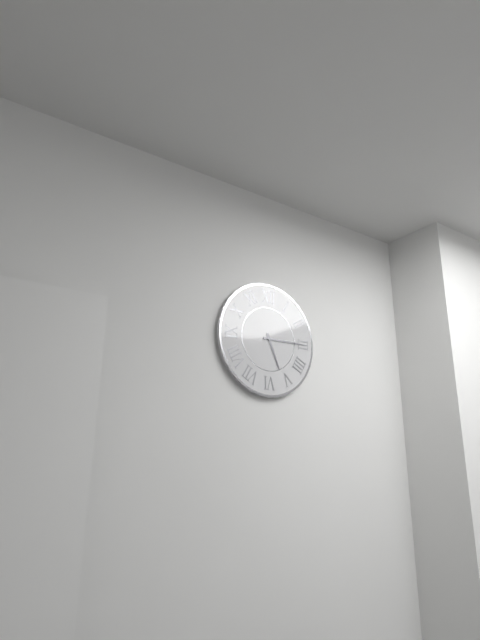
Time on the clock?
5:15
